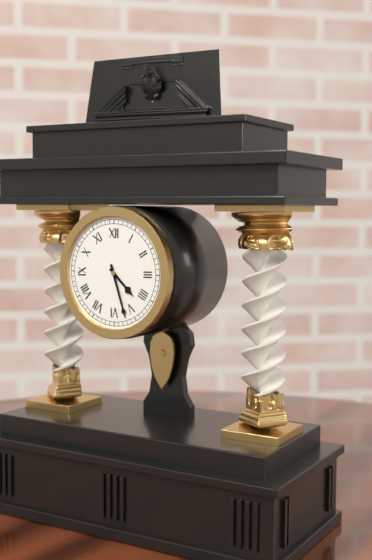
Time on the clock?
4:27
